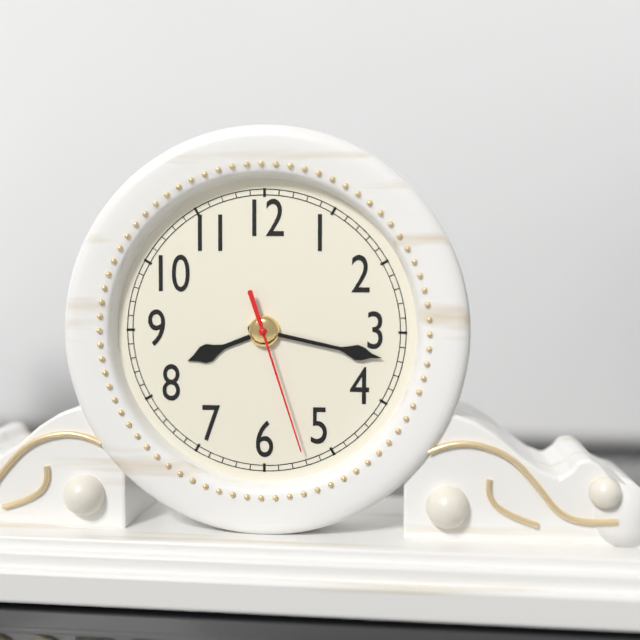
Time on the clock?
8:17:27
